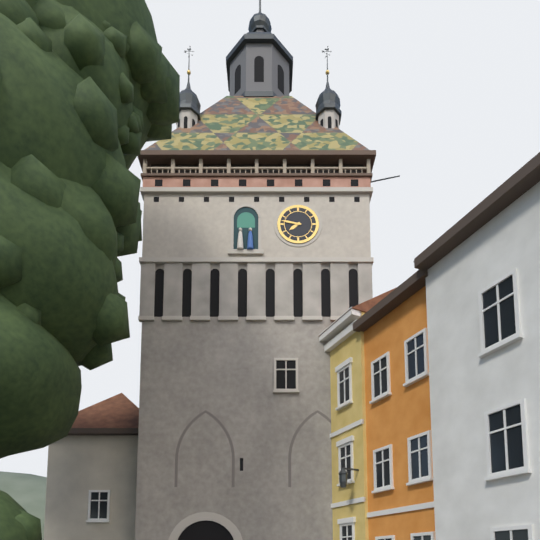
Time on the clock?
7:47
